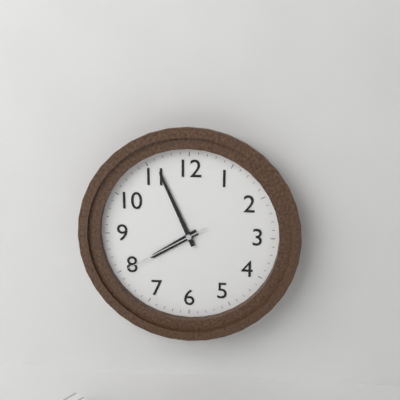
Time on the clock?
7:56:40
